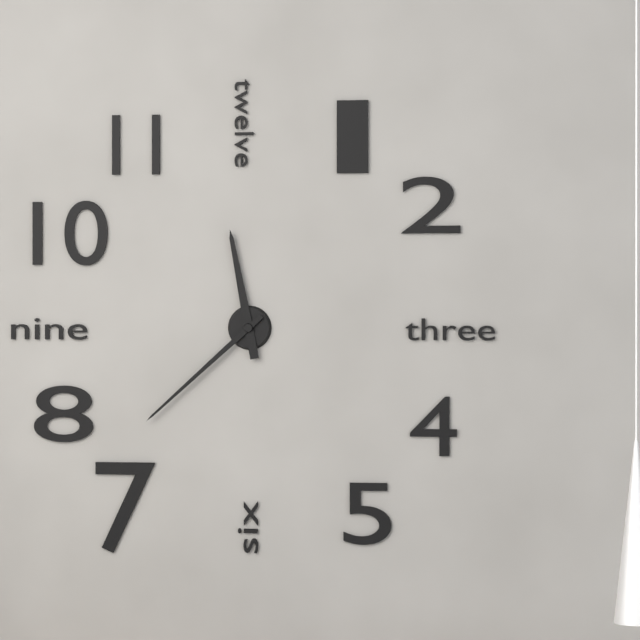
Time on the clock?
11:38
